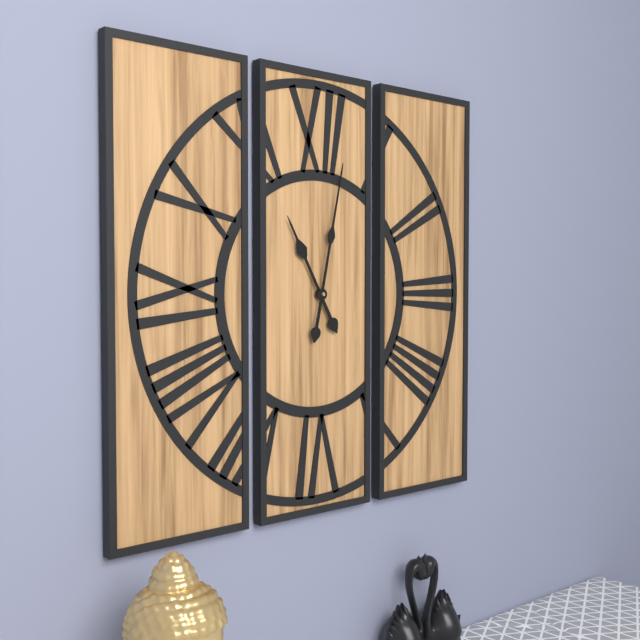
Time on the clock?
11:02
